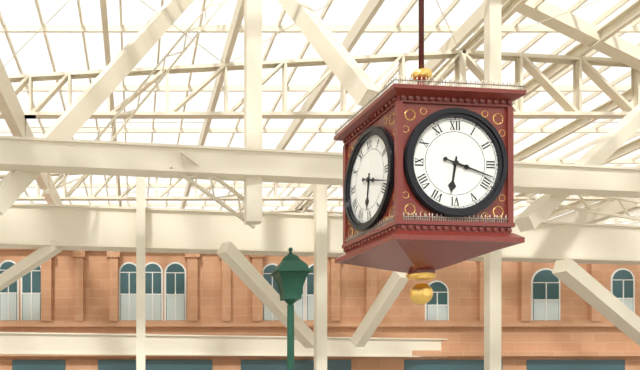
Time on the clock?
6:18
